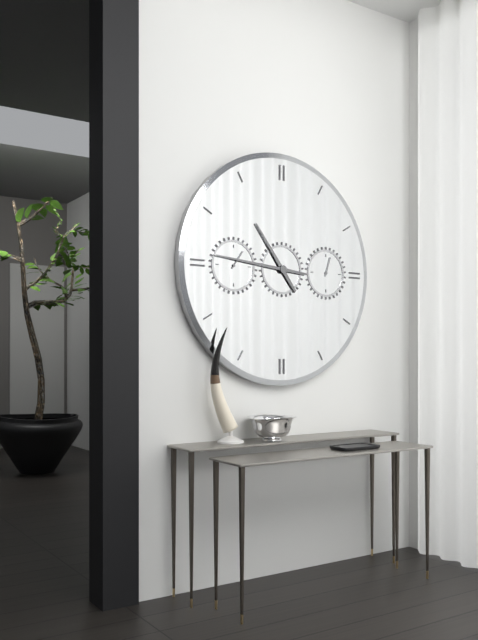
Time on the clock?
10:46
